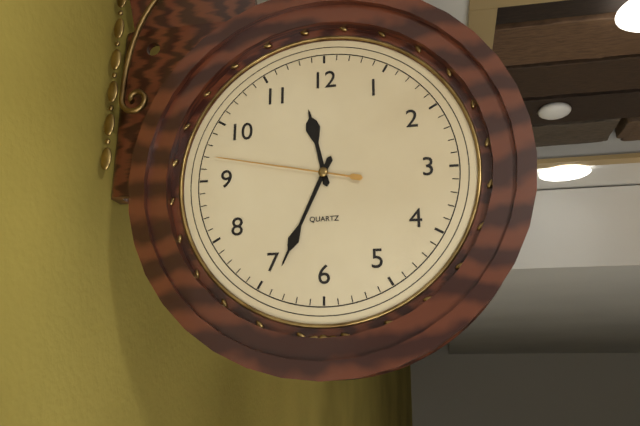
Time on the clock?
11:34:47
